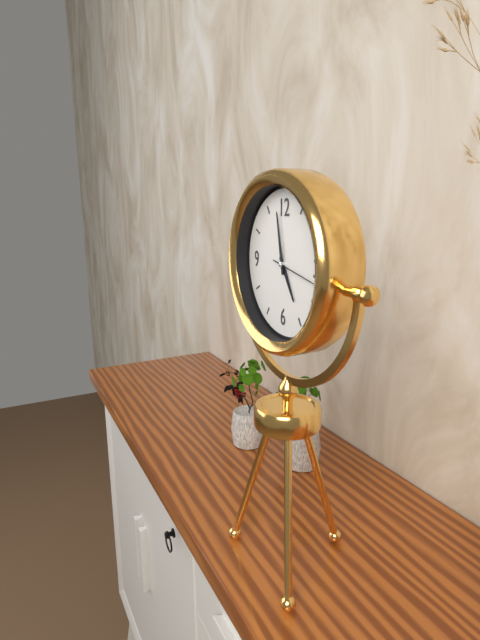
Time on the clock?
4:58
